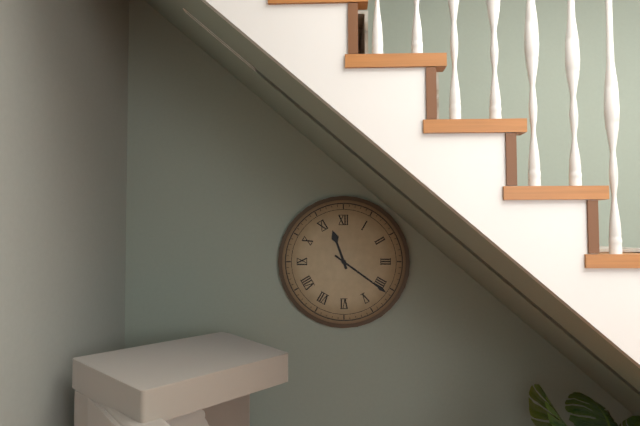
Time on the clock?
11:21
